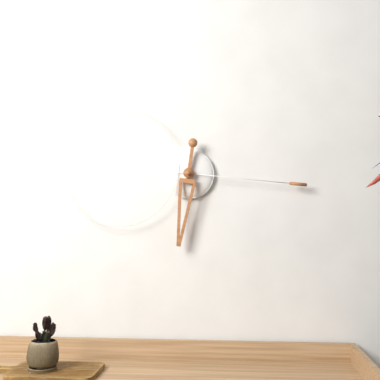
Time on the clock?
6:16
